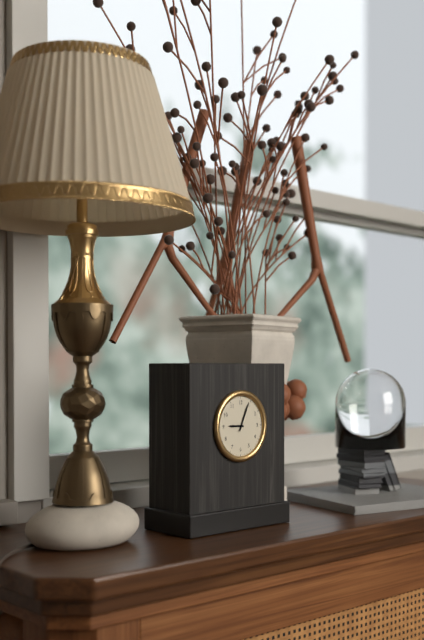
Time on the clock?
9:04
